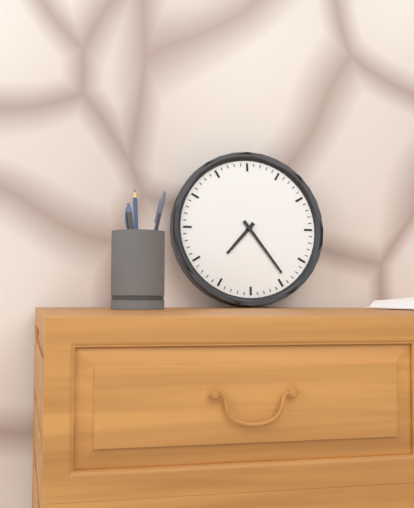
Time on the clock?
7:24
